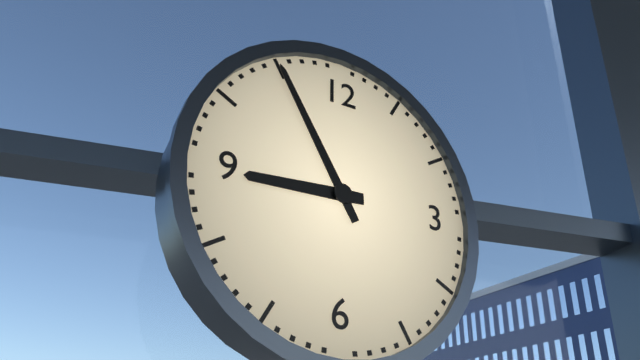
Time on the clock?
8:55
